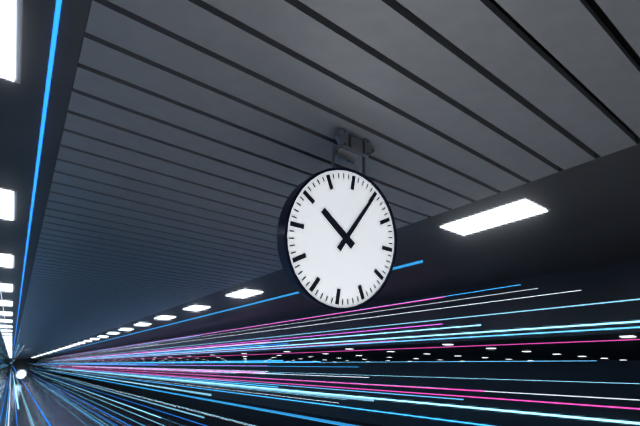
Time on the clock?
10:05
